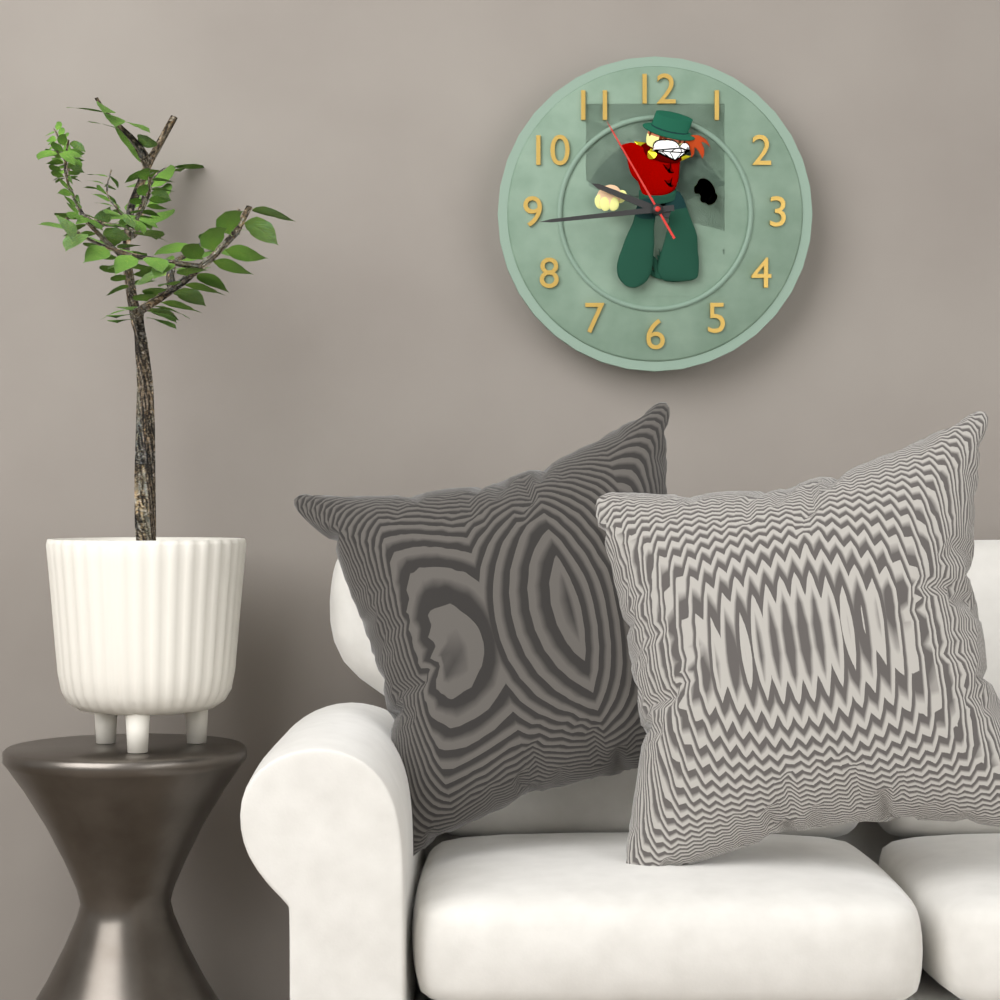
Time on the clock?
9:44:55
